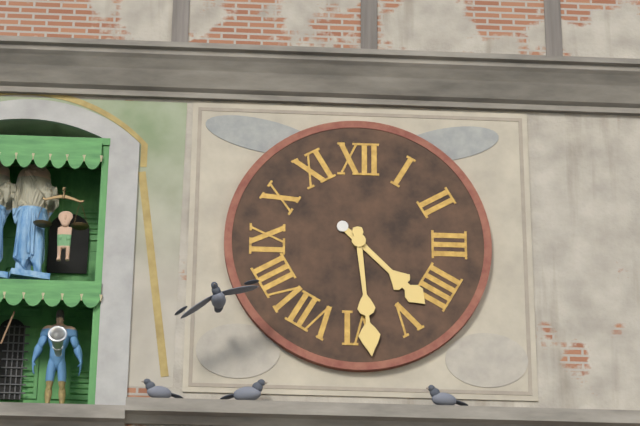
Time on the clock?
4:29
